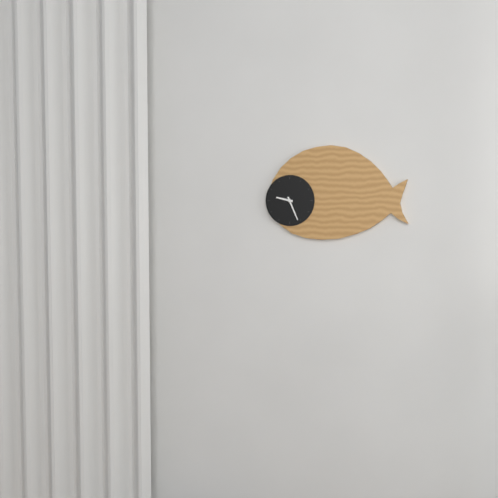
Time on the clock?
9:26
